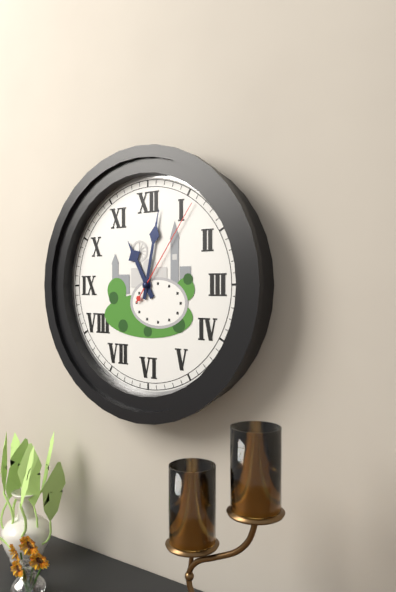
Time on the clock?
11:02:06
